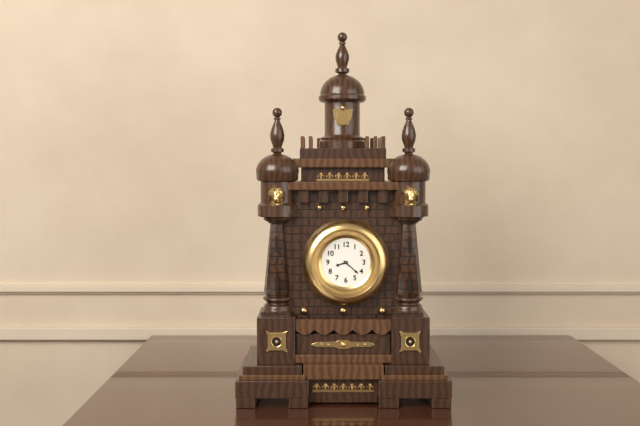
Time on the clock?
8:22
